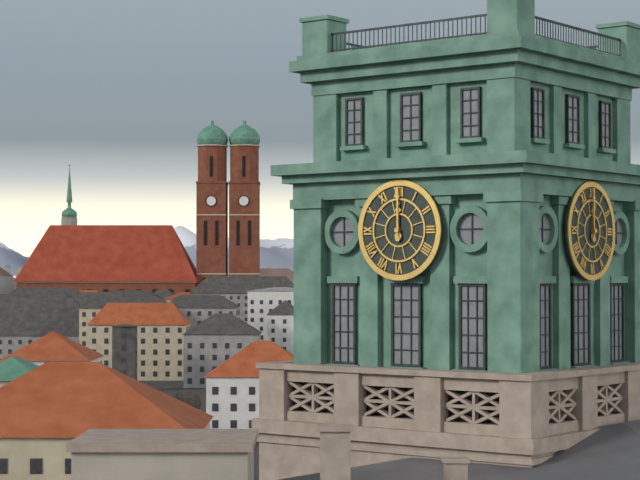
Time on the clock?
12:00
